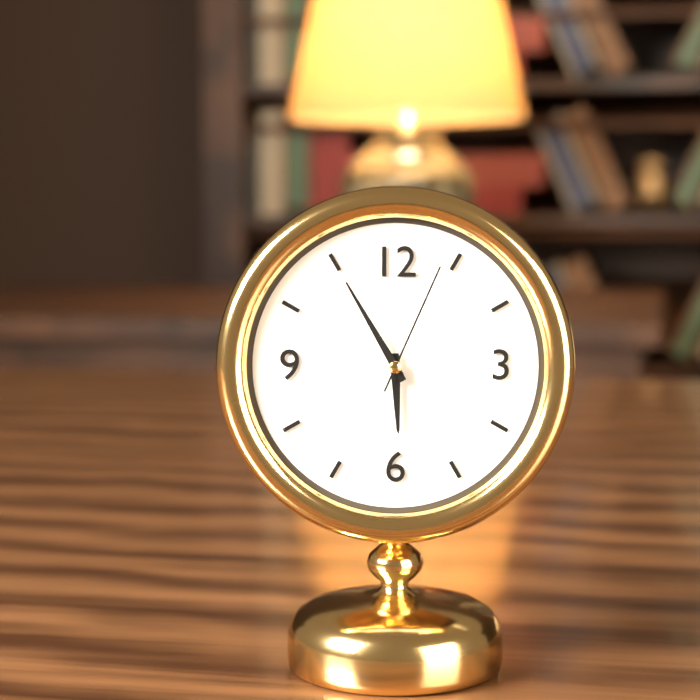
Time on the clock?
5:55:04
